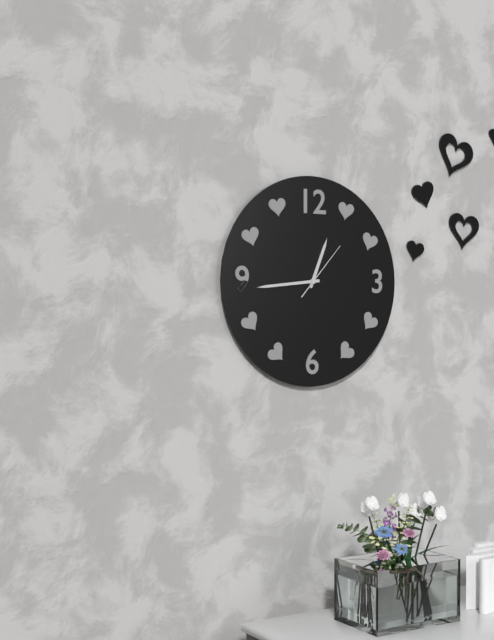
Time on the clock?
12:44:07
